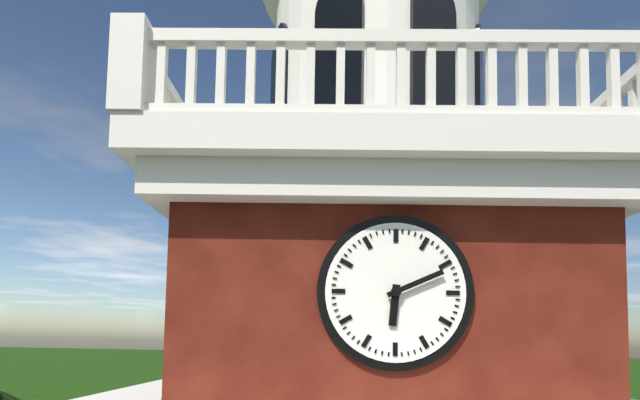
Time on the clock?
6:11
